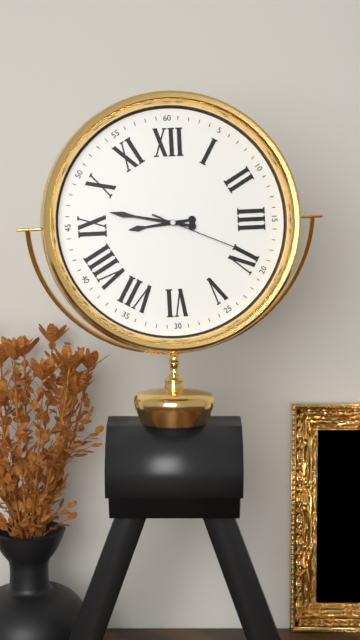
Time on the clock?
8:47:19
